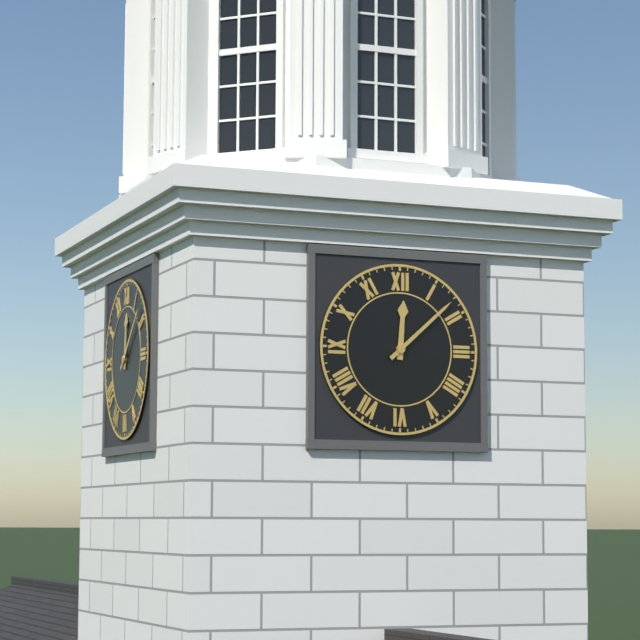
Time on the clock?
12:08
